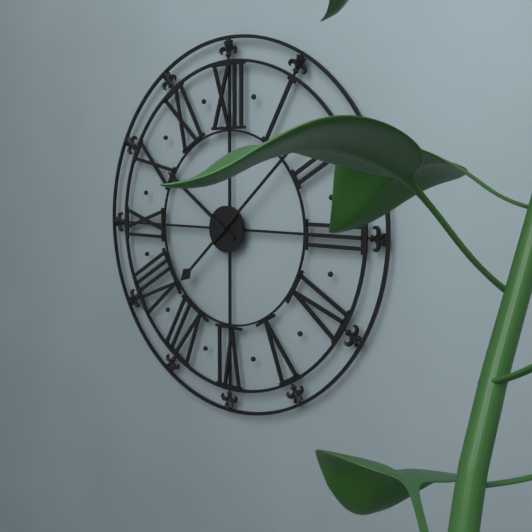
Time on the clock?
10:08
